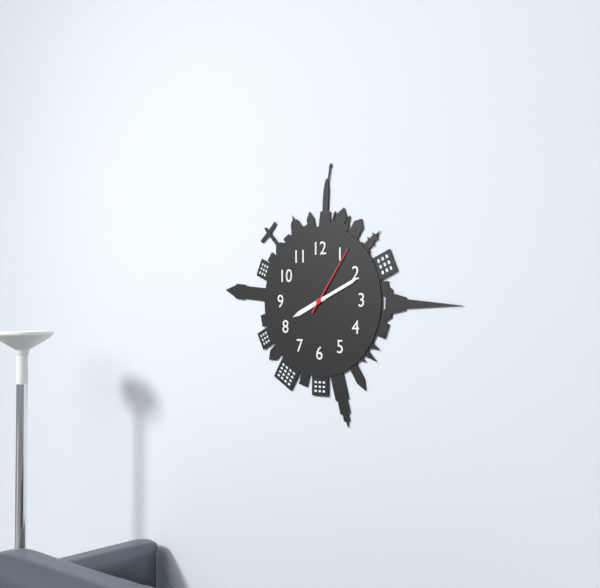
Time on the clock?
8:11:06
